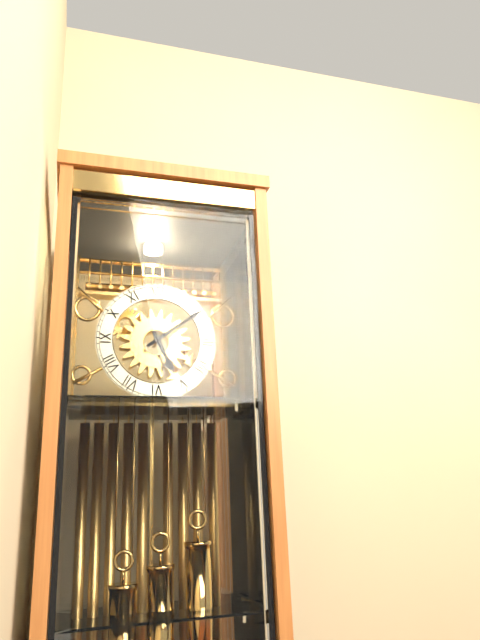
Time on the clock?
5:09
